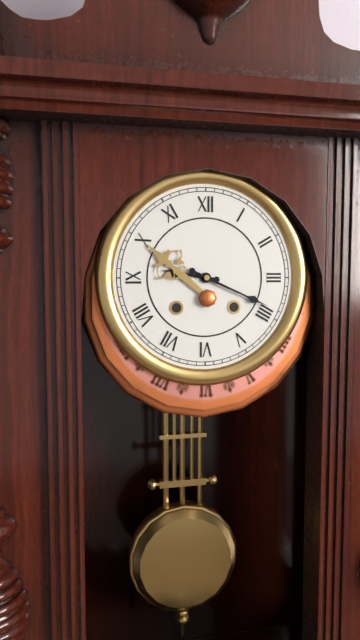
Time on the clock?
9:19
